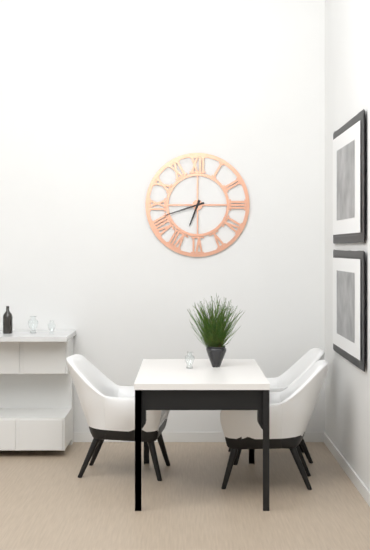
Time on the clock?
6:42
